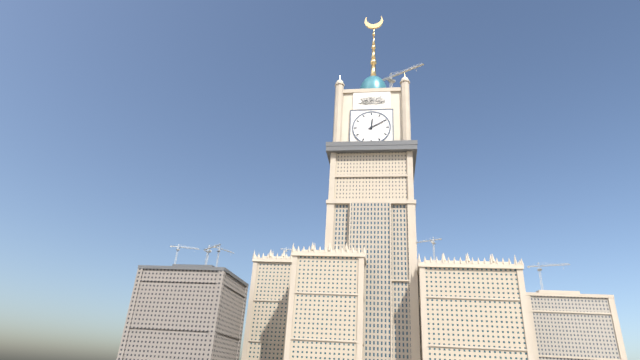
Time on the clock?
12:10
